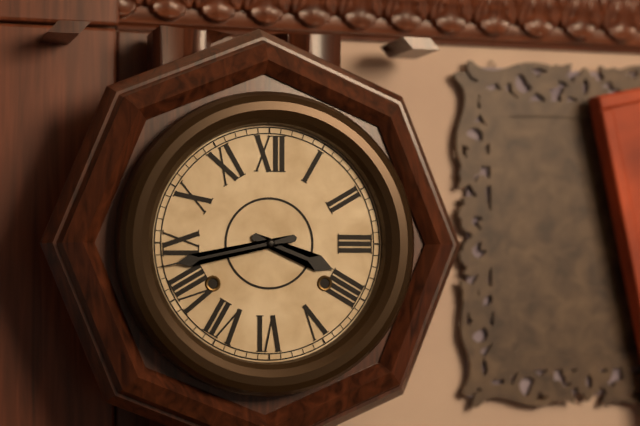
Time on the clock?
3:43
